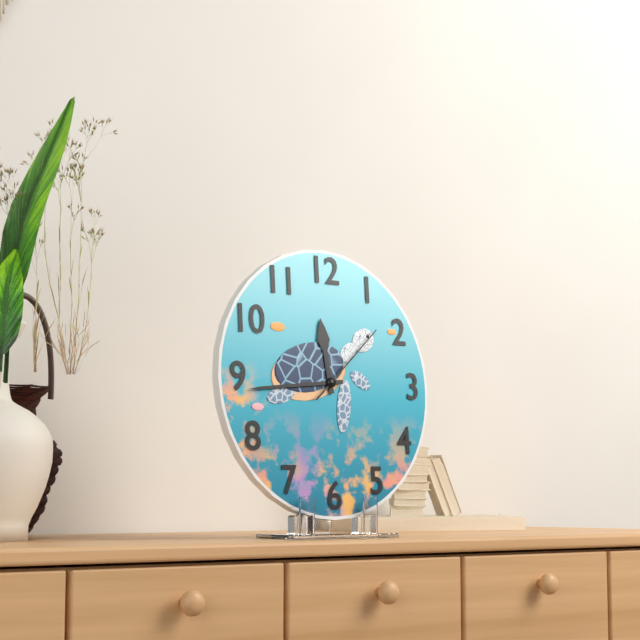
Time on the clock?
11:44:08
